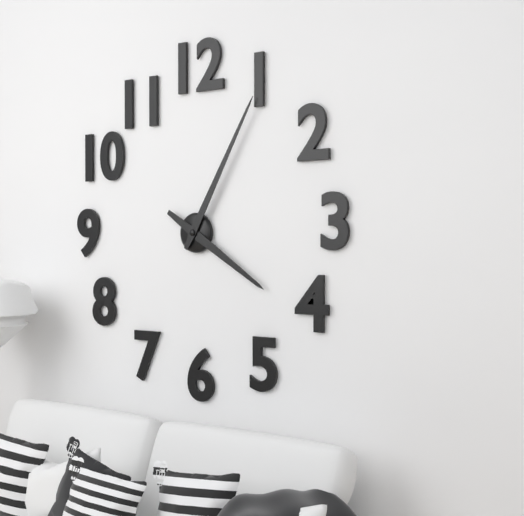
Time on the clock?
4:05
